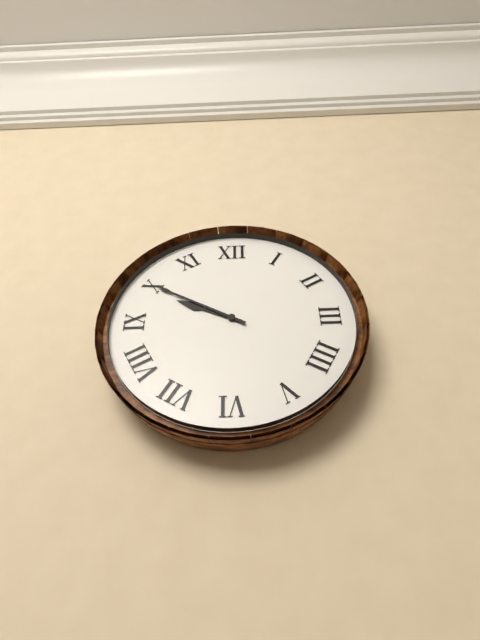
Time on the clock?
9:50
